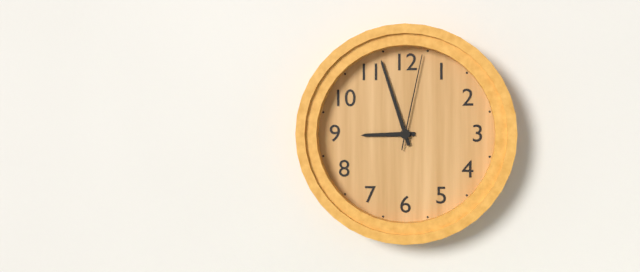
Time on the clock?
8:57:02
